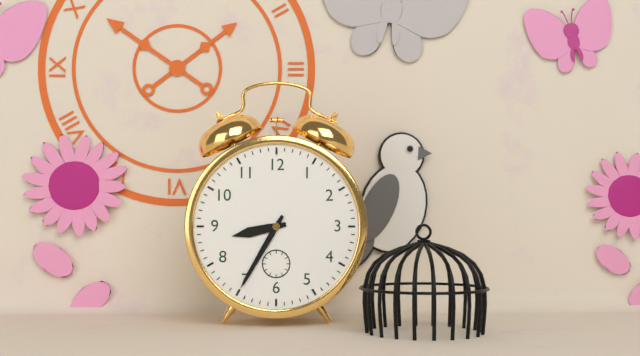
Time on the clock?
8:35
